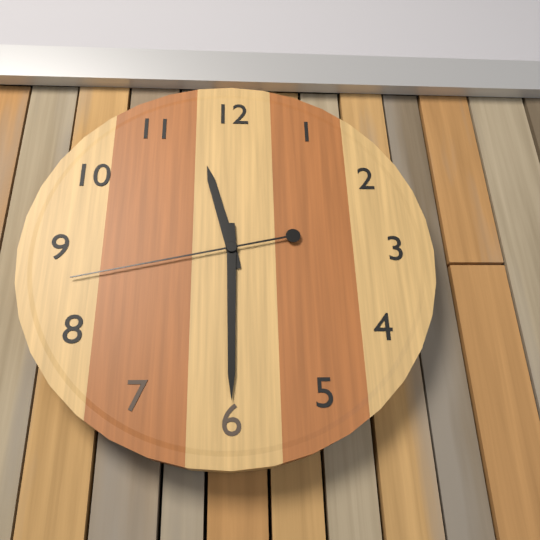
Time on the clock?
11:30:43
